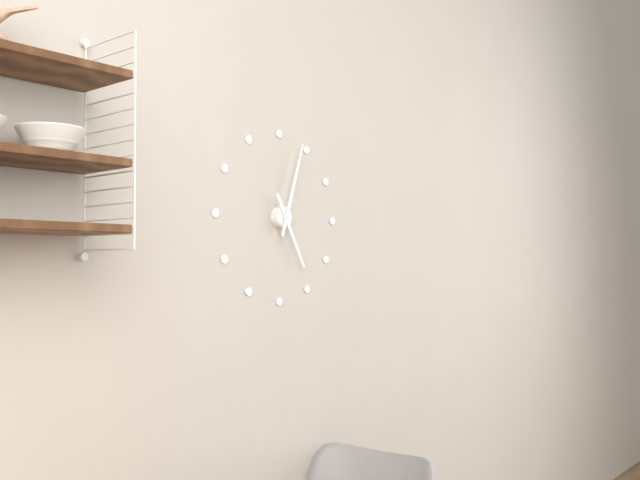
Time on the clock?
5:03
